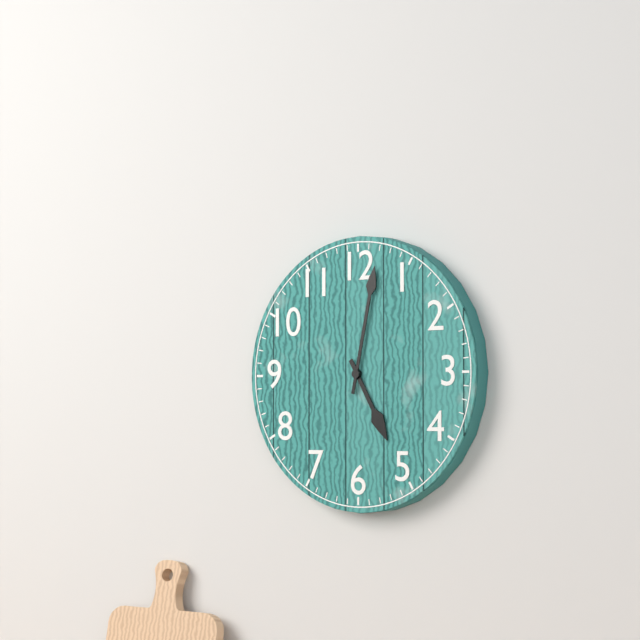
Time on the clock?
5:02
